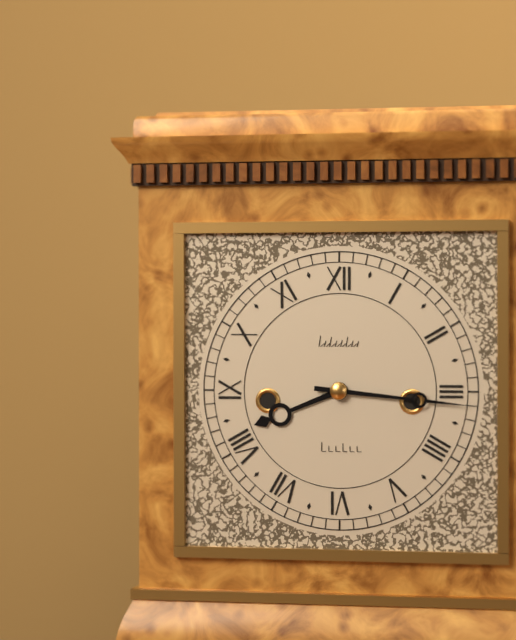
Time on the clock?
8:16
